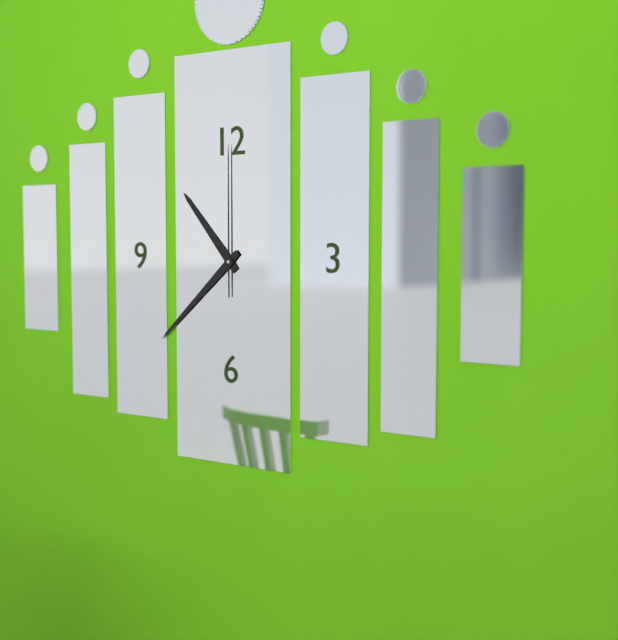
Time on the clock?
10:38:00
